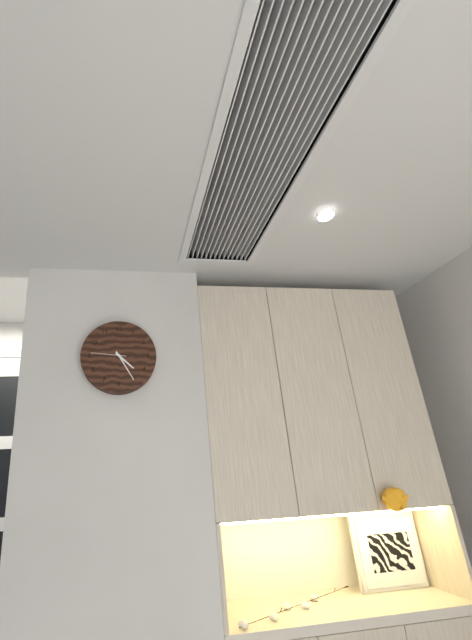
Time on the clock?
4:25
